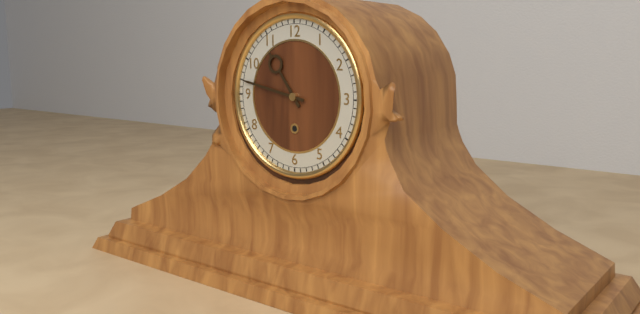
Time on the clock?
10:47
